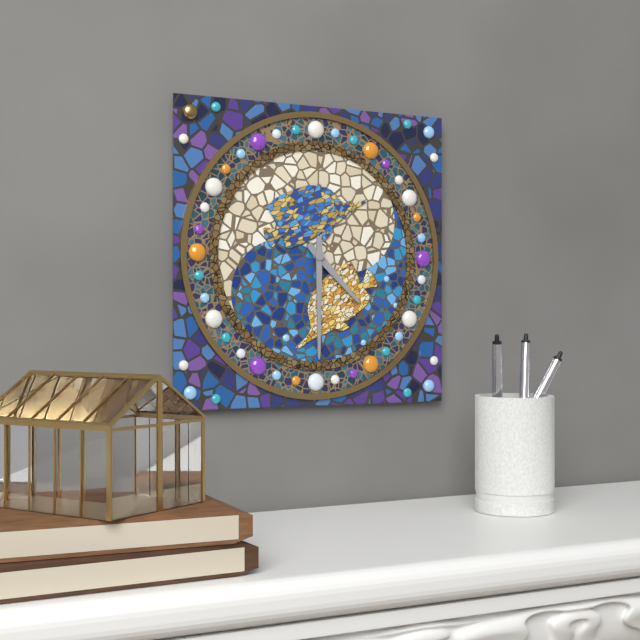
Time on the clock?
4:30
